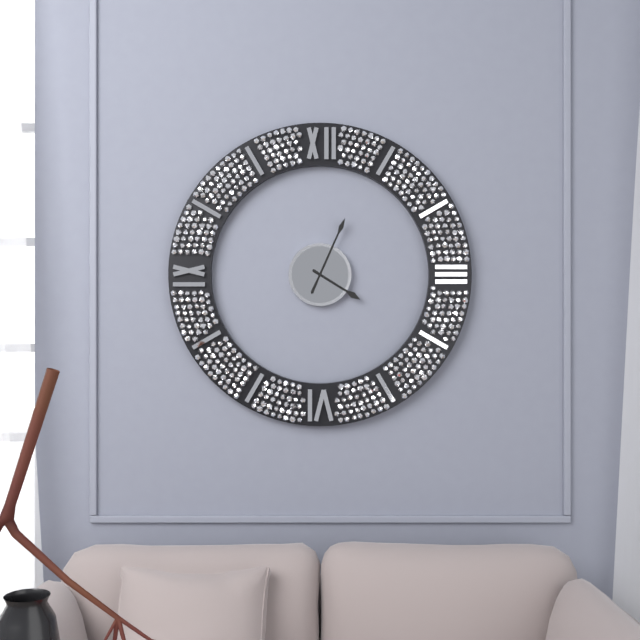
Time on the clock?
4:04
